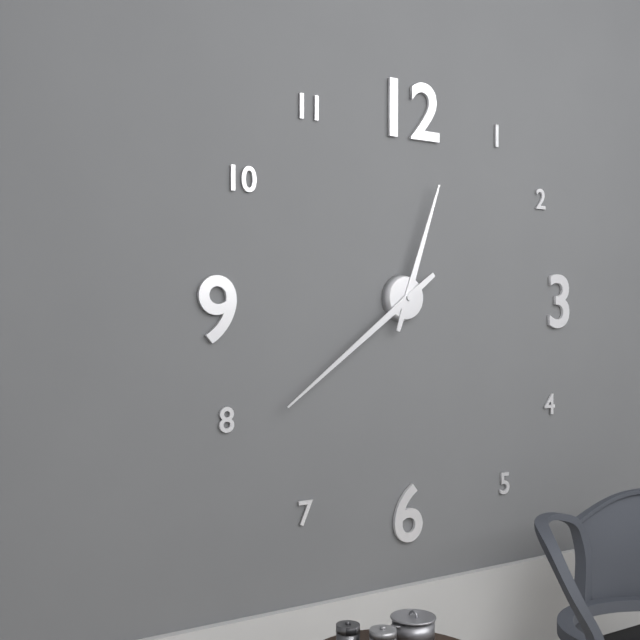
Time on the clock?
12:39
